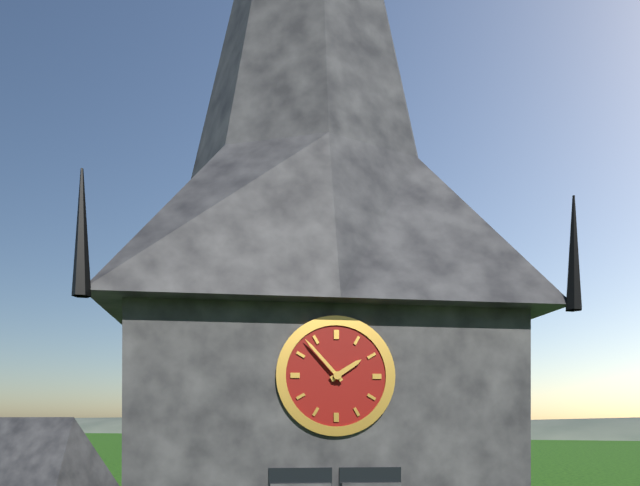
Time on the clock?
1:53
